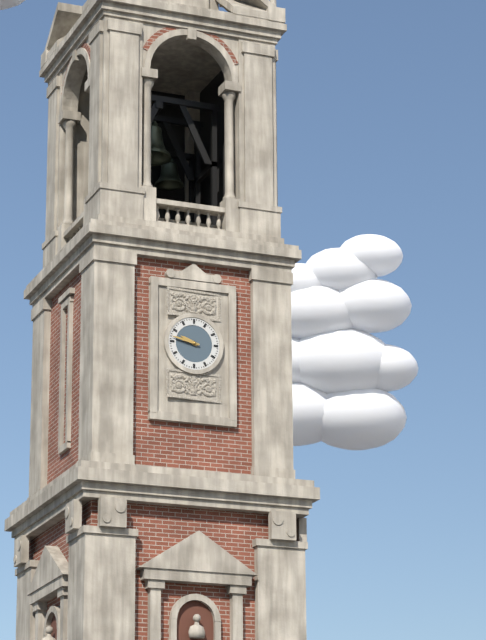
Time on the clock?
9:47
